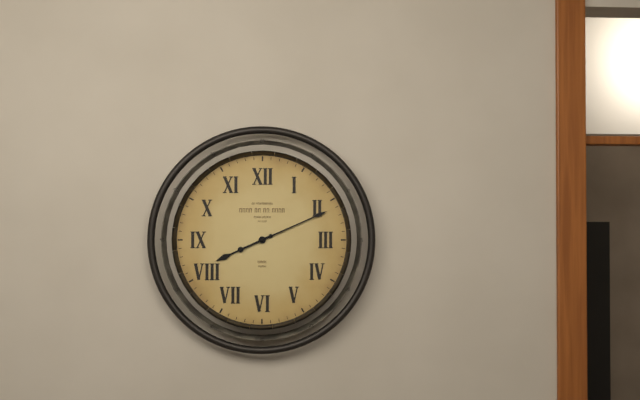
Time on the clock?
8:11
